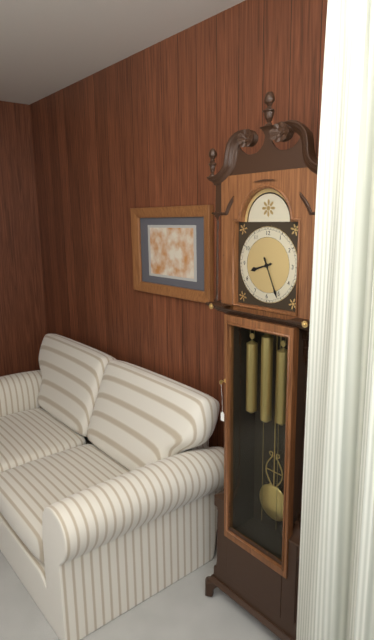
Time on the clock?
8:26
